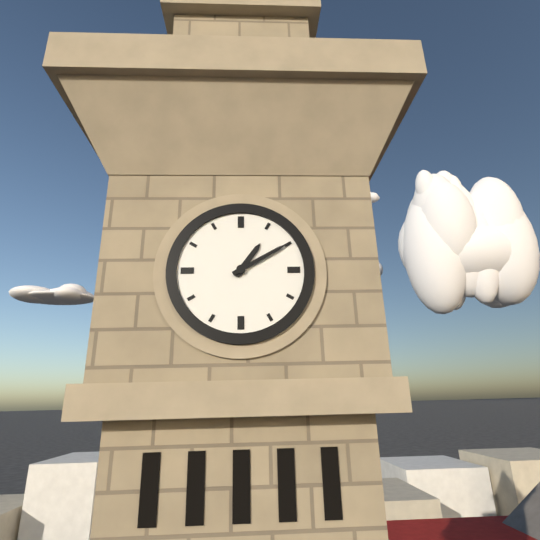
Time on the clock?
1:10
